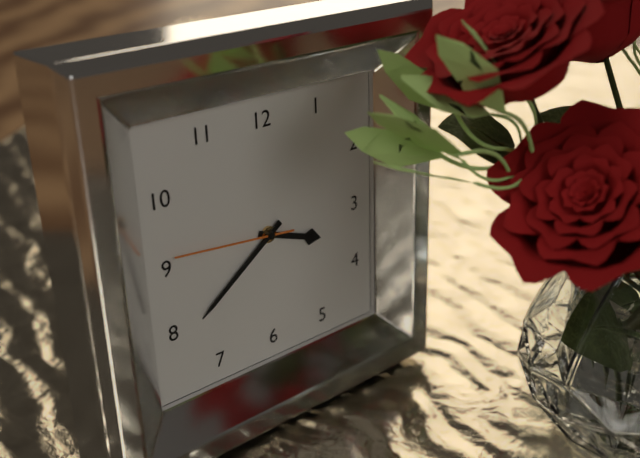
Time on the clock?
3:39:46
